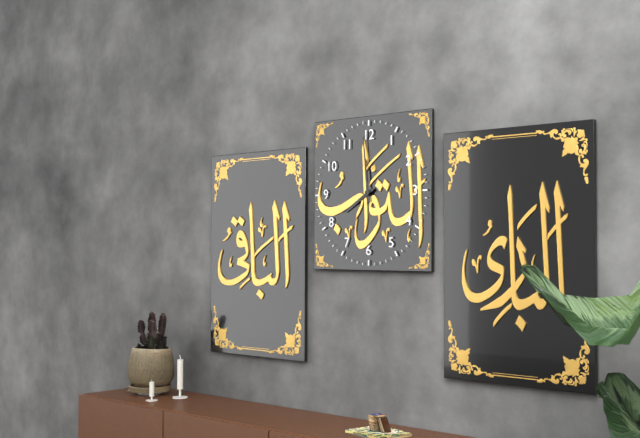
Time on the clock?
7:59
